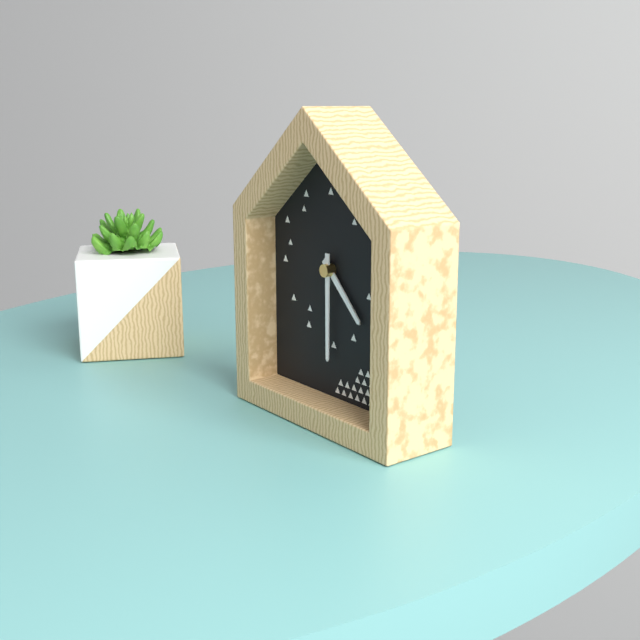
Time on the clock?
4:30
